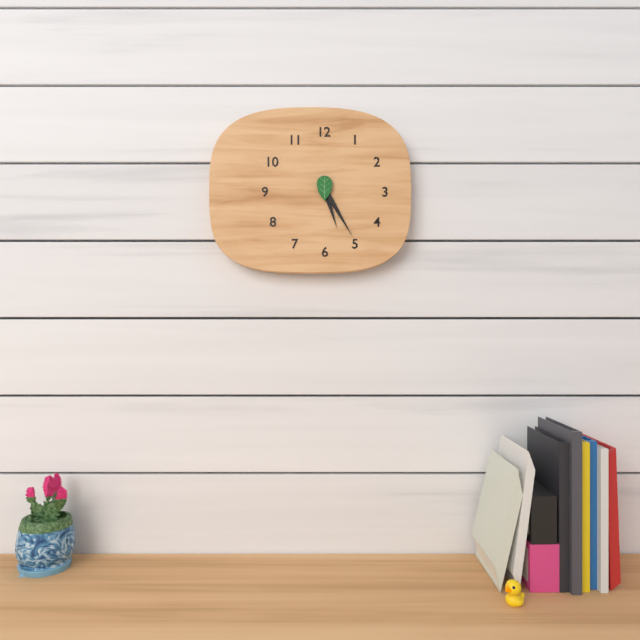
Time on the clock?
5:25
